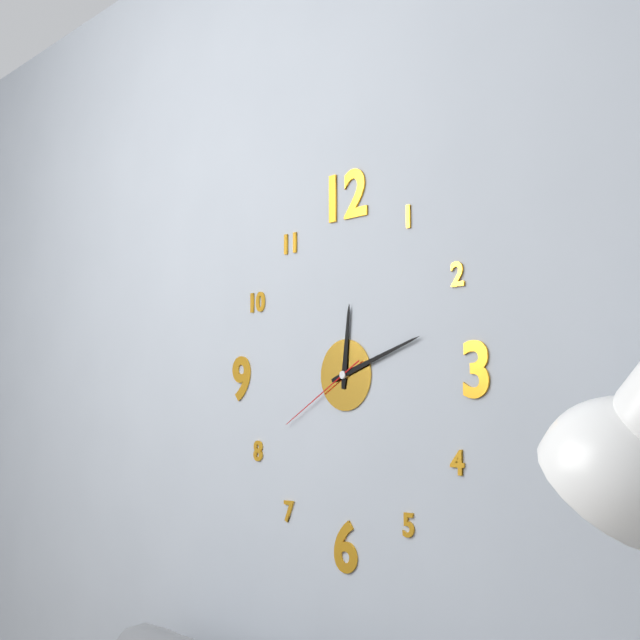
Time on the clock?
12:12:40
